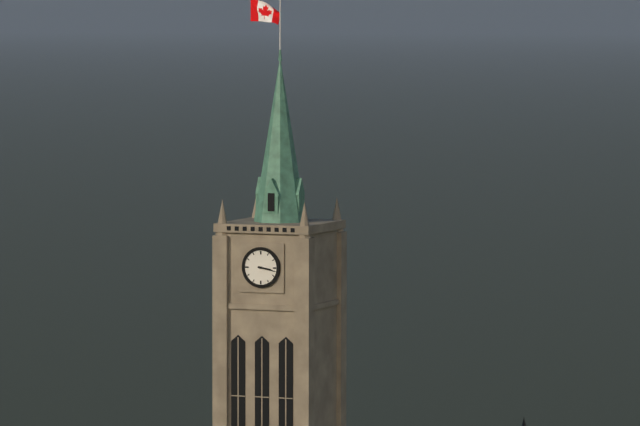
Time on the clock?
3:17
